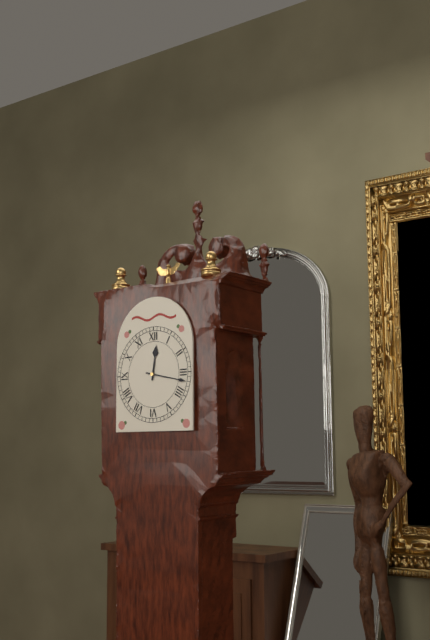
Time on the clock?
12:17
